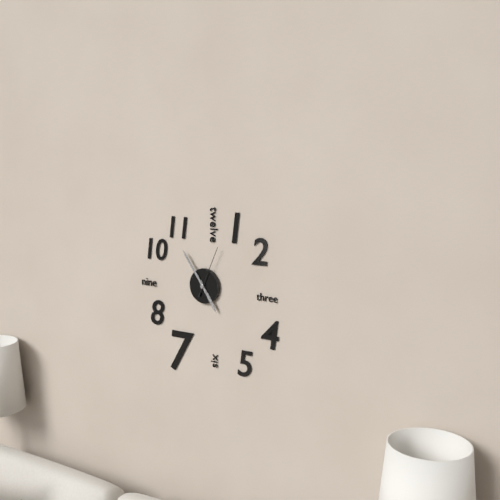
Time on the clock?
4:54:04
